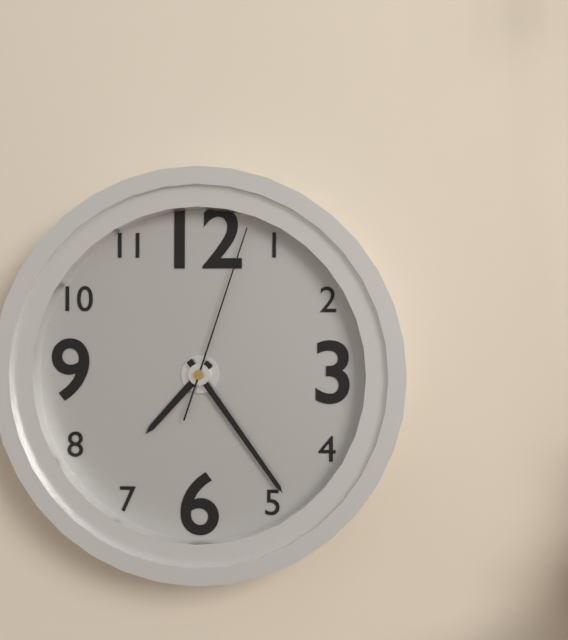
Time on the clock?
7:24:03
